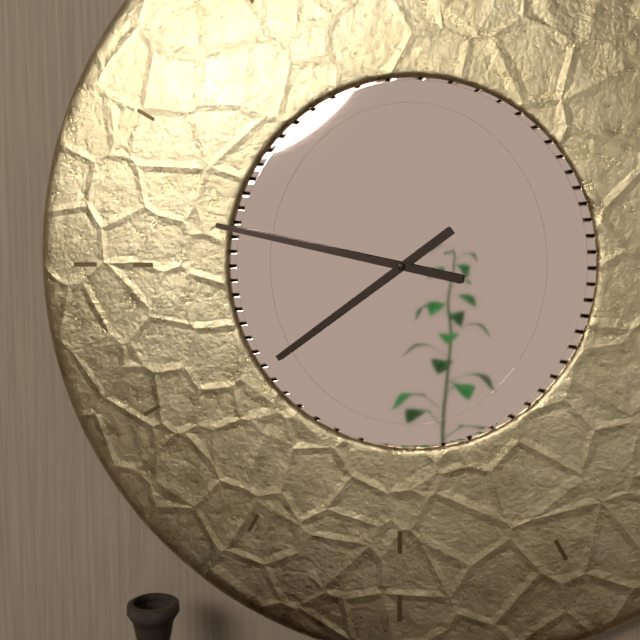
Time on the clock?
7:47
